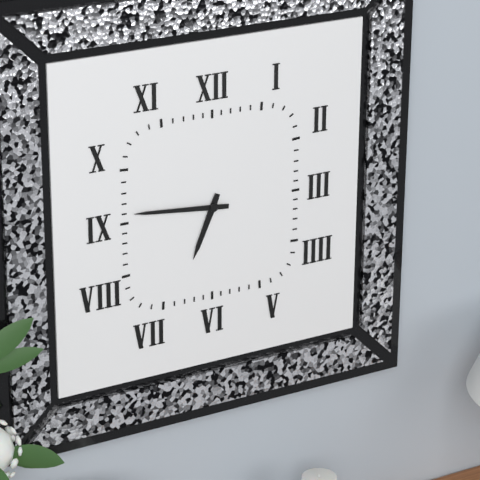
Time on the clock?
6:46
